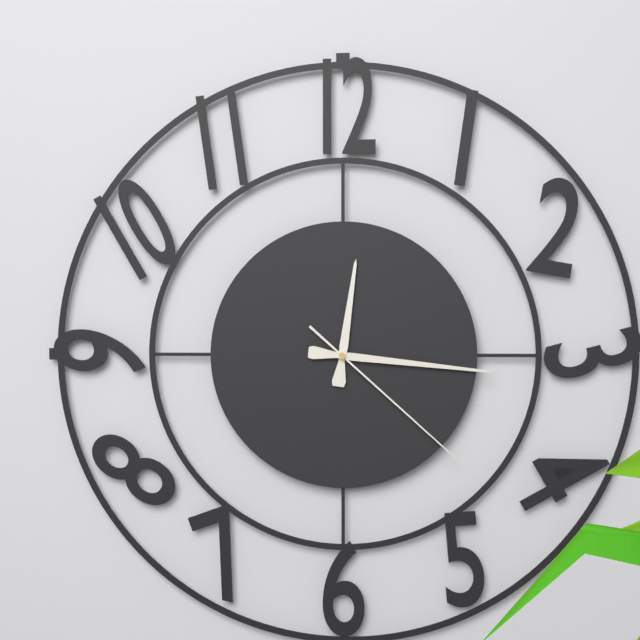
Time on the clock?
12:16:22
